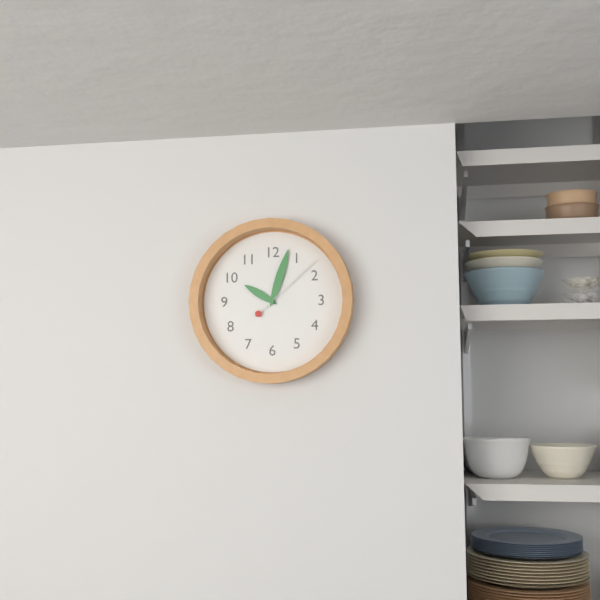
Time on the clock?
10:03:08
